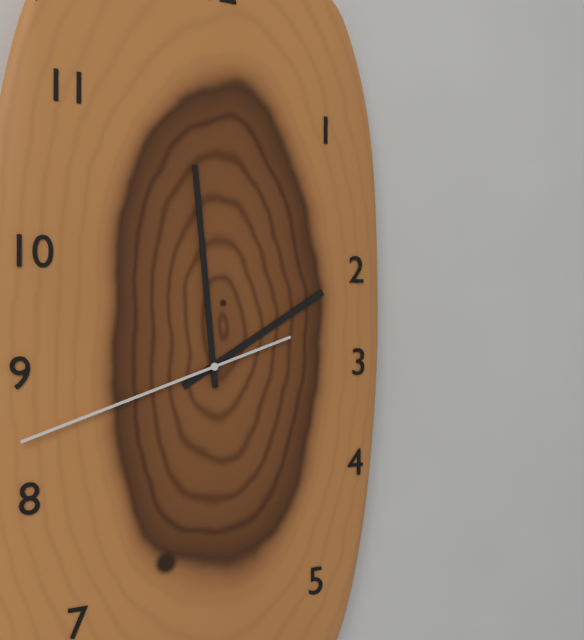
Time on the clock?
1:59:42
